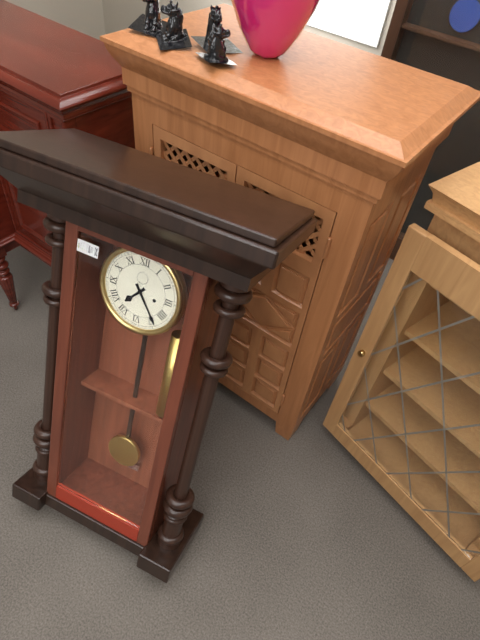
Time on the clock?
7:24
